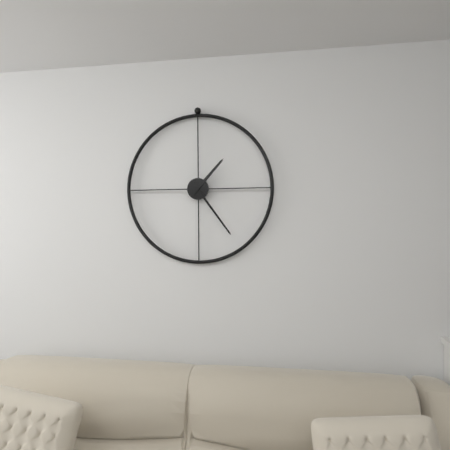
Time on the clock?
1:24
